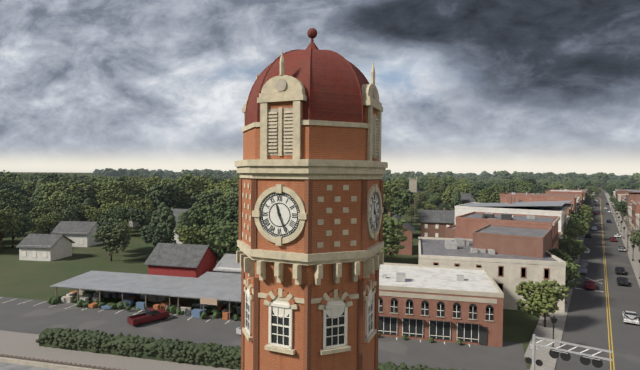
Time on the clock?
11:26
